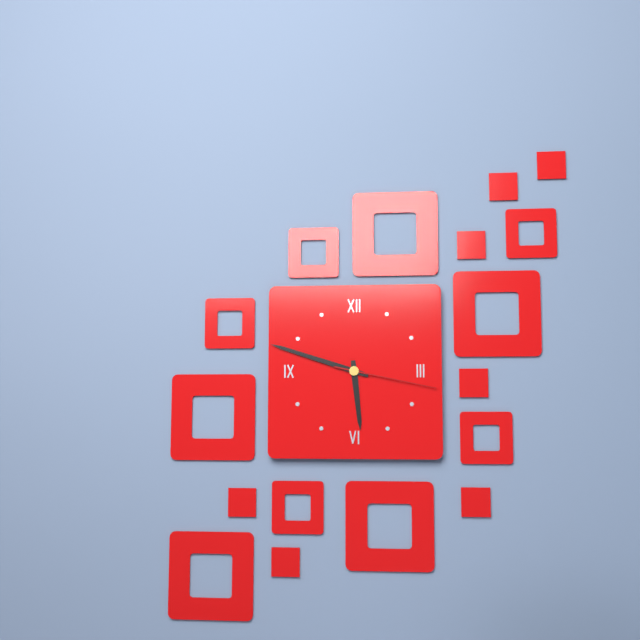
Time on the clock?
5:48:17
